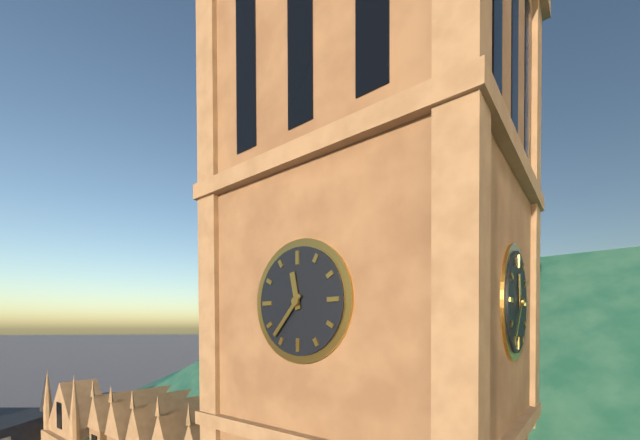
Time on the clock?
11:37
